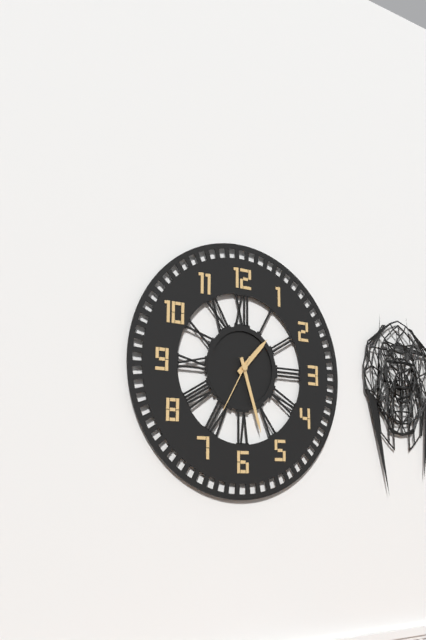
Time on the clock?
1:27:35
